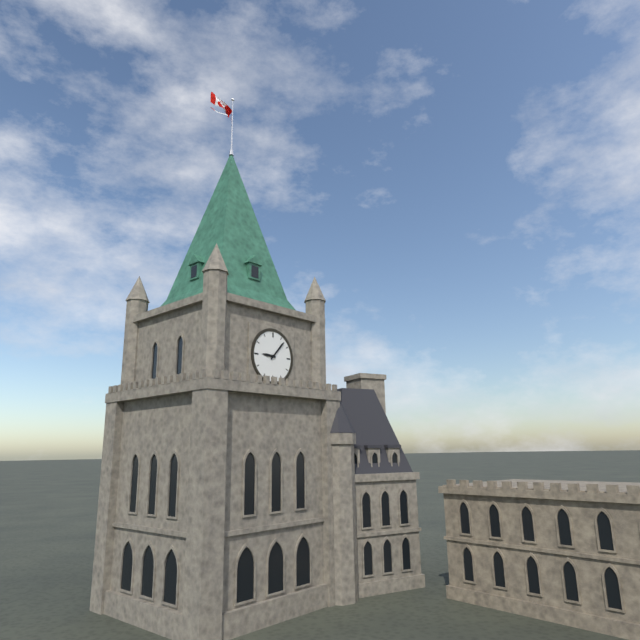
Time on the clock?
9:07
